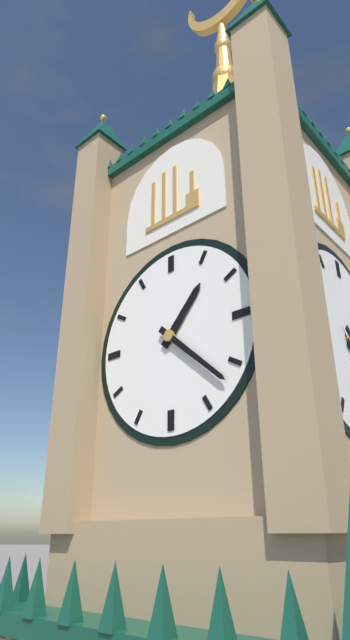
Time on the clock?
1:22
